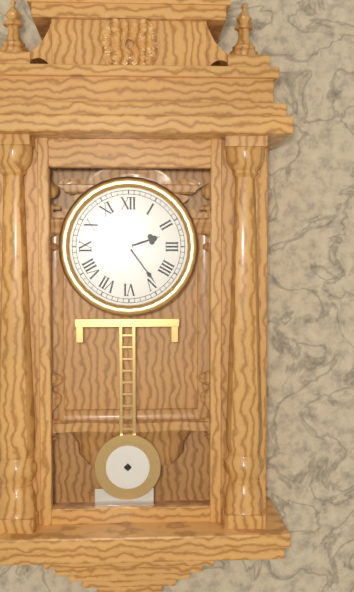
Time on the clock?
2:24
